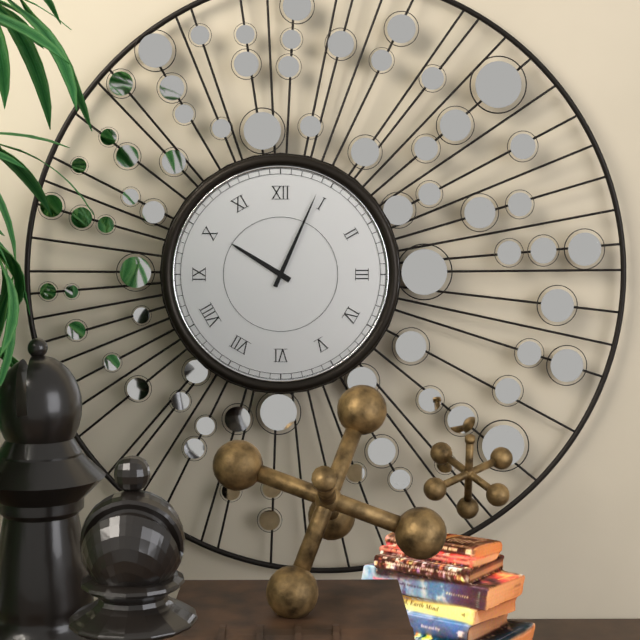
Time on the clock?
10:04
